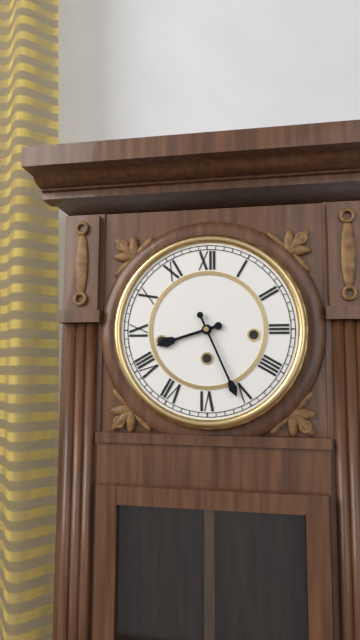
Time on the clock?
8:26
